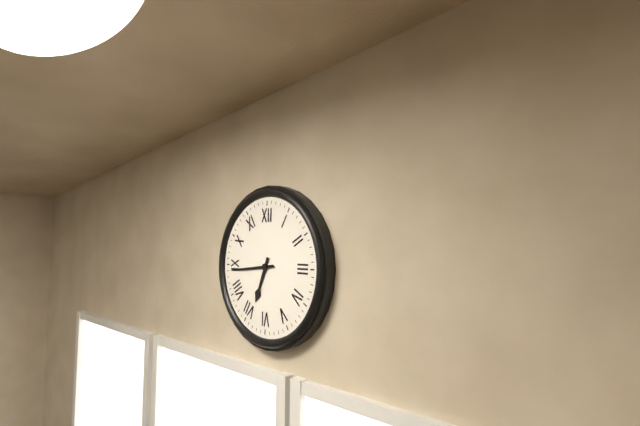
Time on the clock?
6:44
